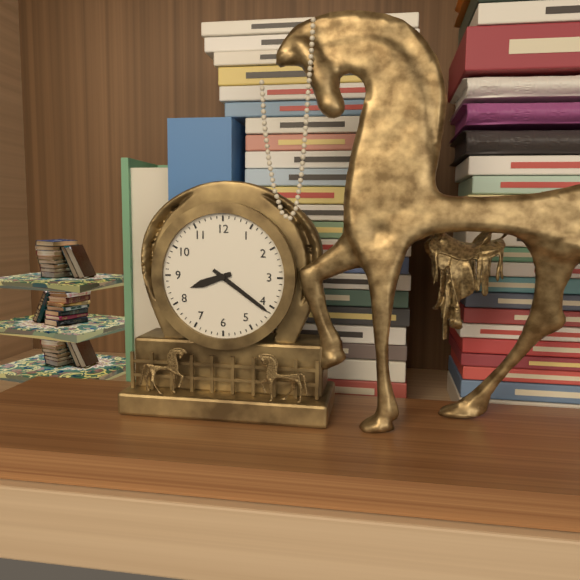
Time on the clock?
8:21
